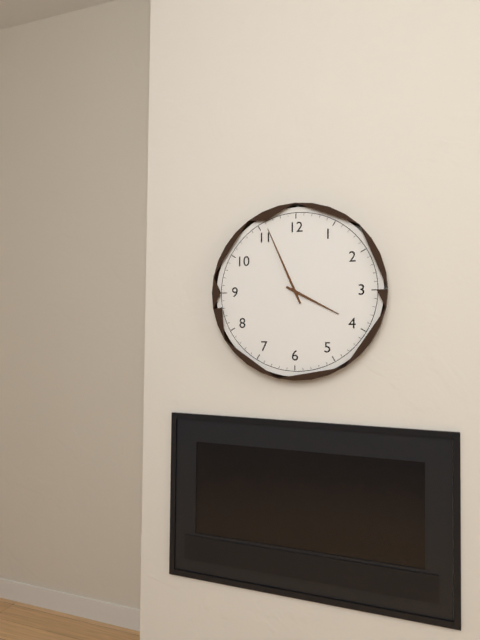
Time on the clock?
3:56
